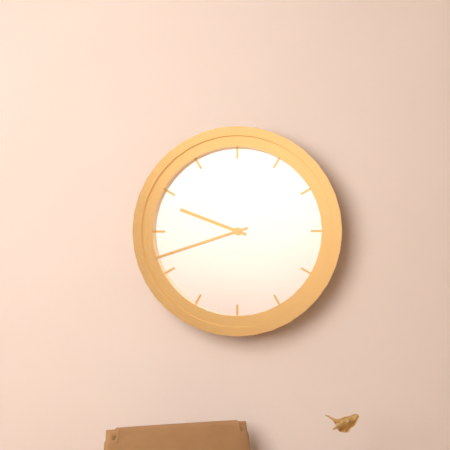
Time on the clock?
9:42
